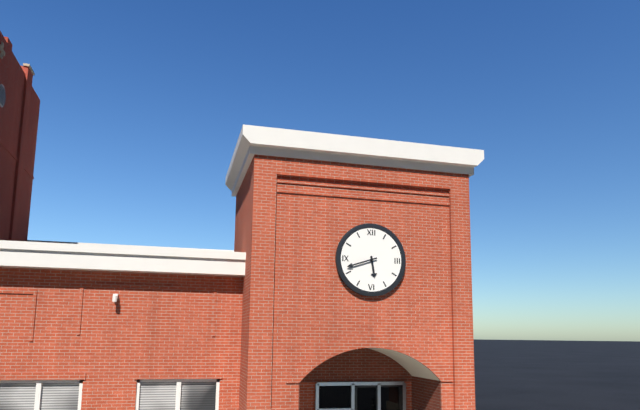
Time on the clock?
5:42
